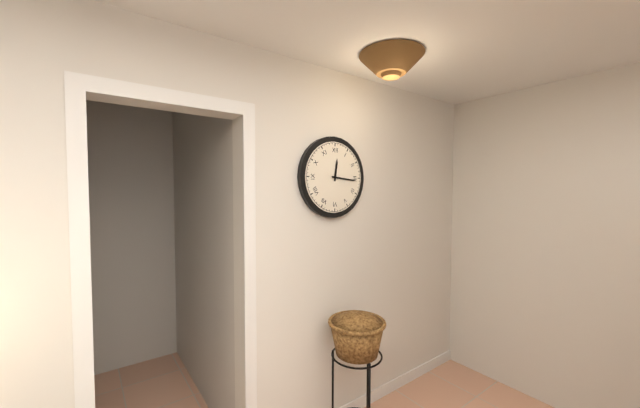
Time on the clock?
12:16
